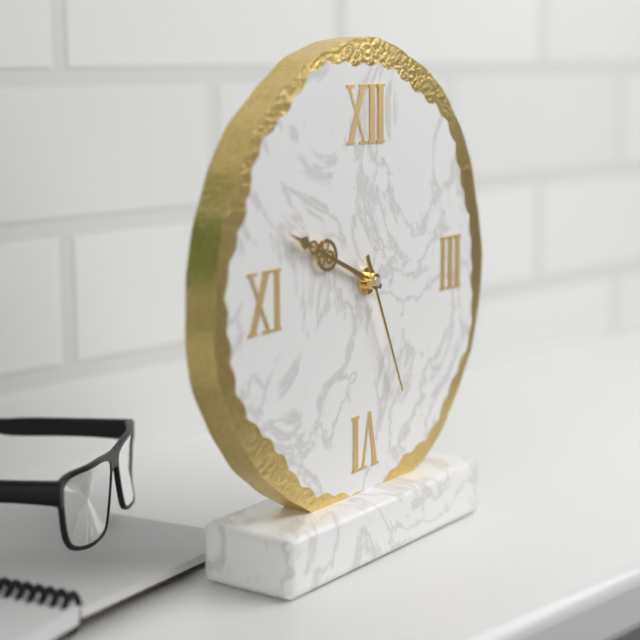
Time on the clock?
9:49:26
